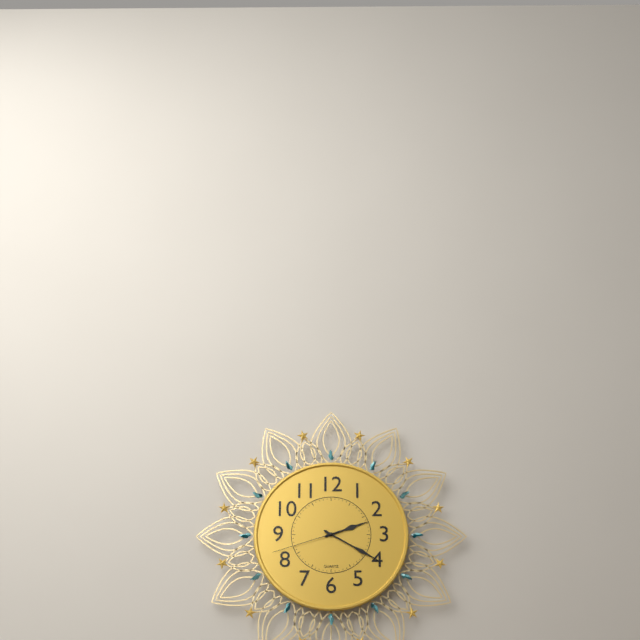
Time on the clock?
2:20:42
